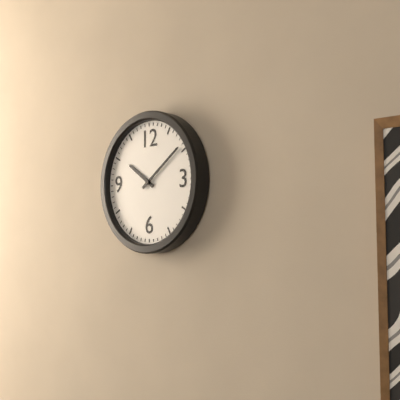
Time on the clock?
10:09
